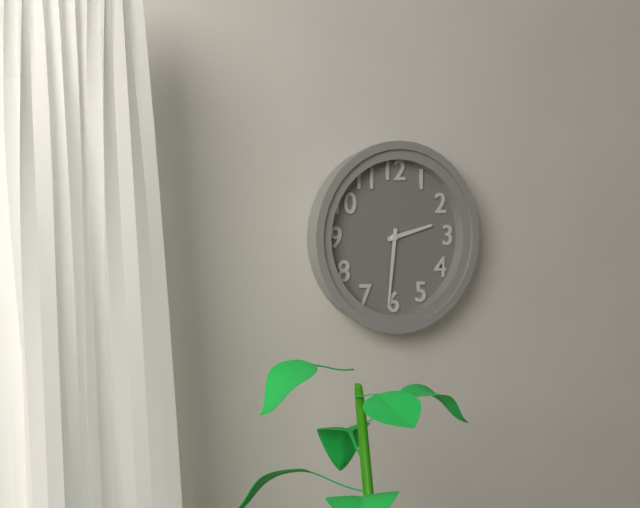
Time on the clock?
2:31
